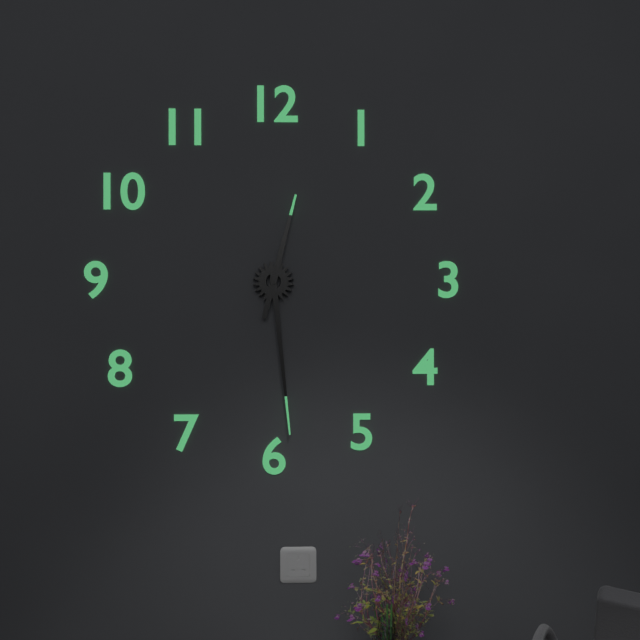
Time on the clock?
12:29
